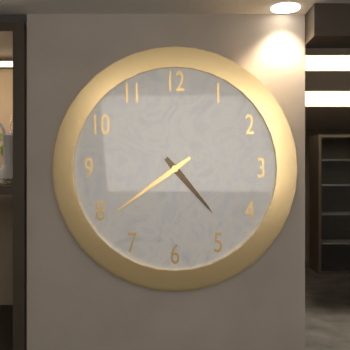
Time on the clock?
4:39
